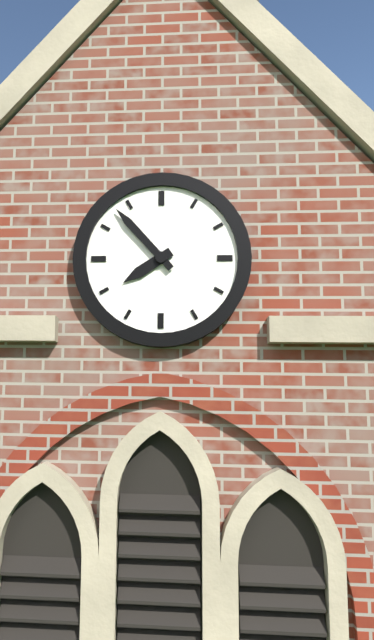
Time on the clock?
7:53
